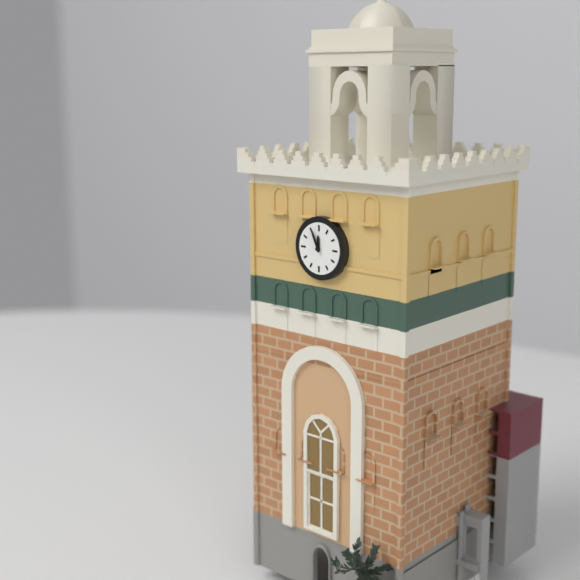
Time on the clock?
11:56
